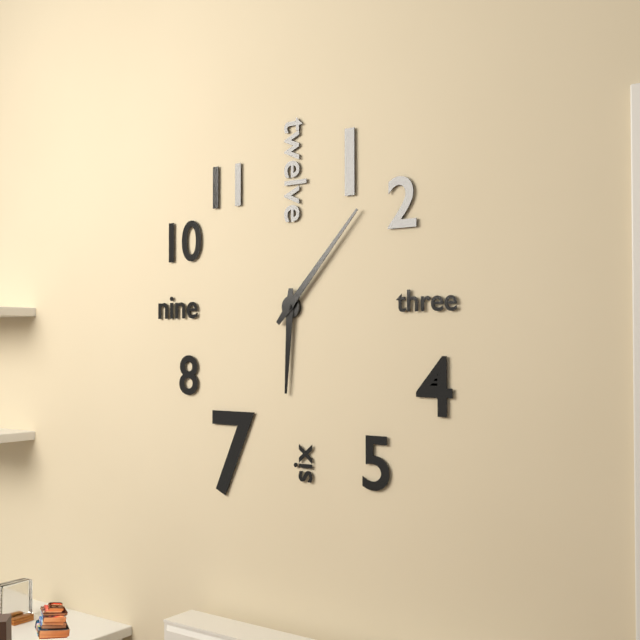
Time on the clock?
6:07
